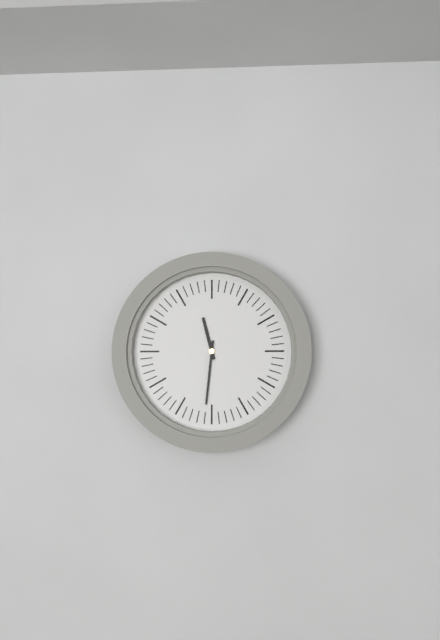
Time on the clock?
11:31
